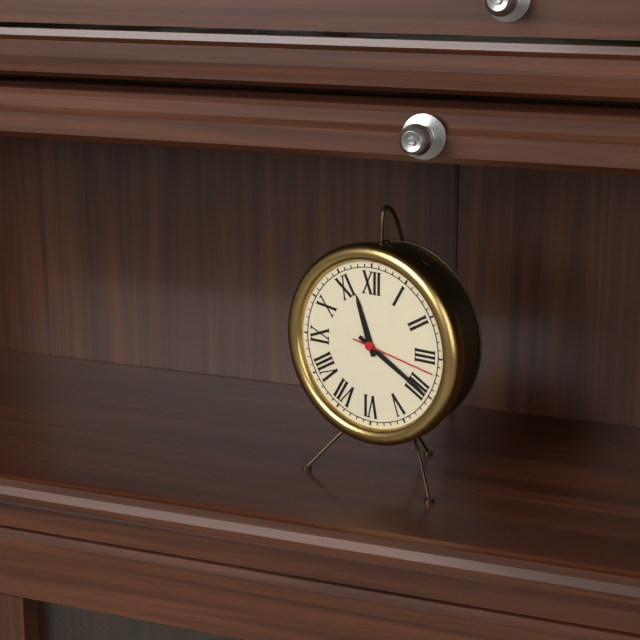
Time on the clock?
11:20:17
